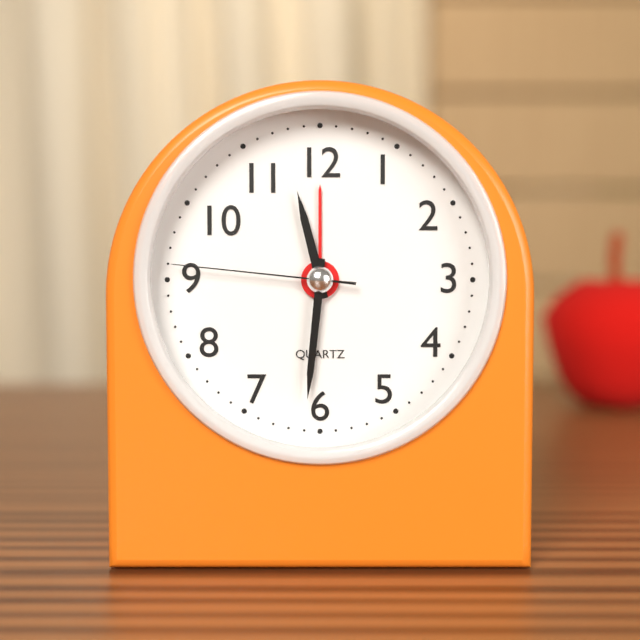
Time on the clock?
11:31:46
